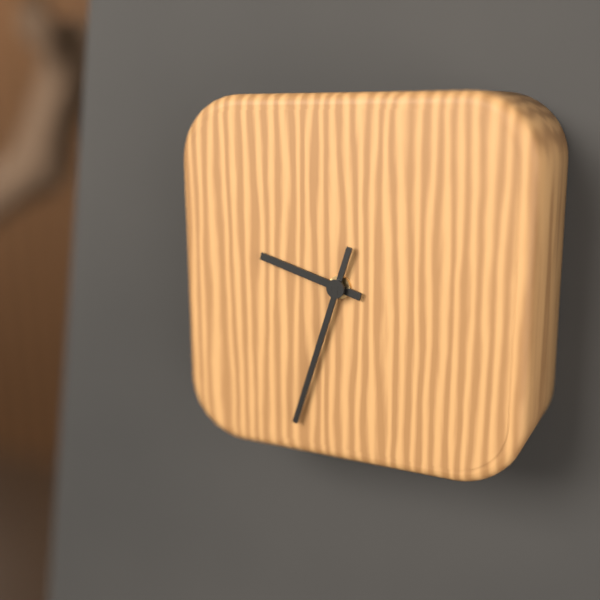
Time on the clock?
9:33
